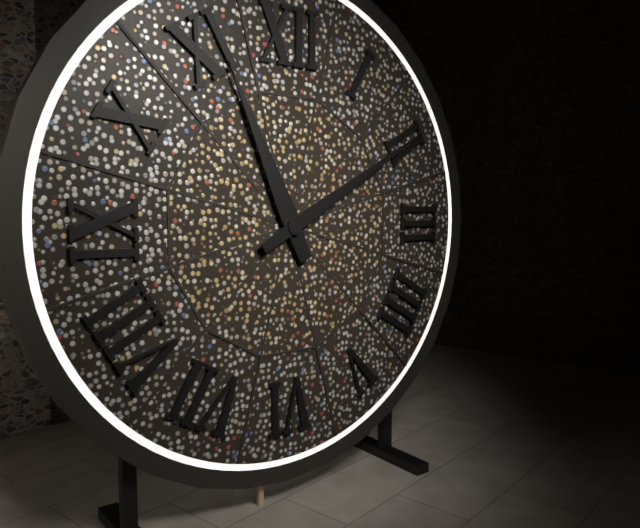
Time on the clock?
11:10
